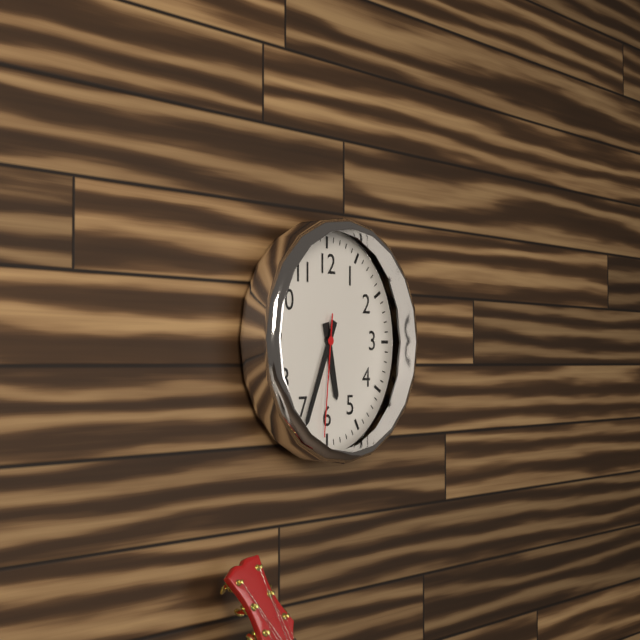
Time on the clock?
5:34:31
